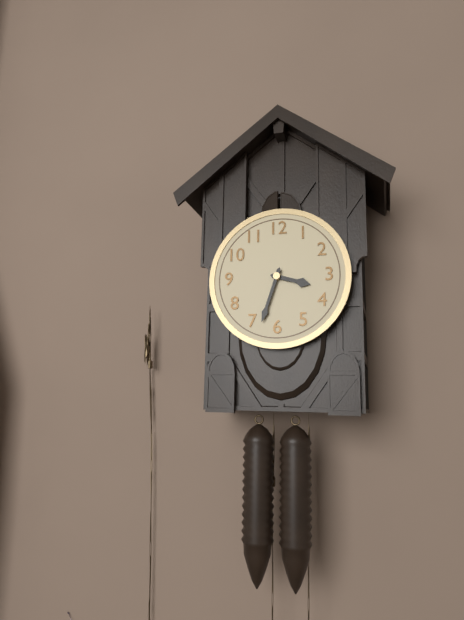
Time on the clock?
3:33
